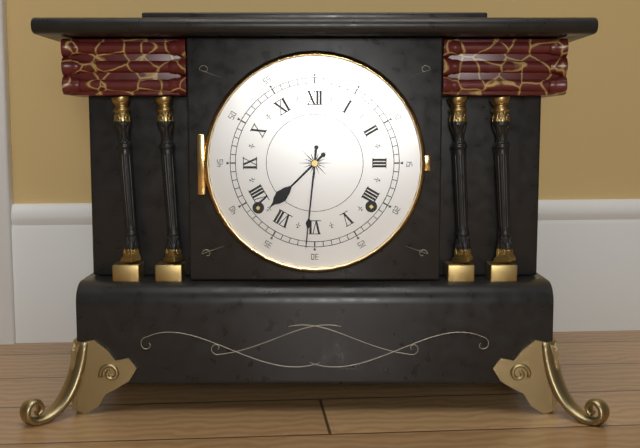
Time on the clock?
7:31
